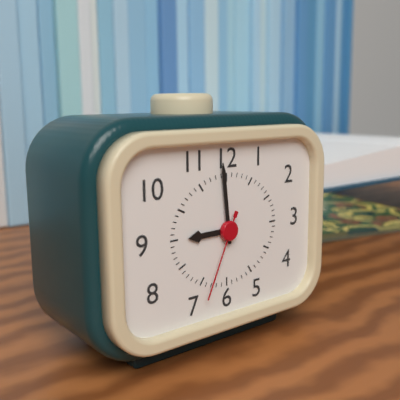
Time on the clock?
8:59:34
